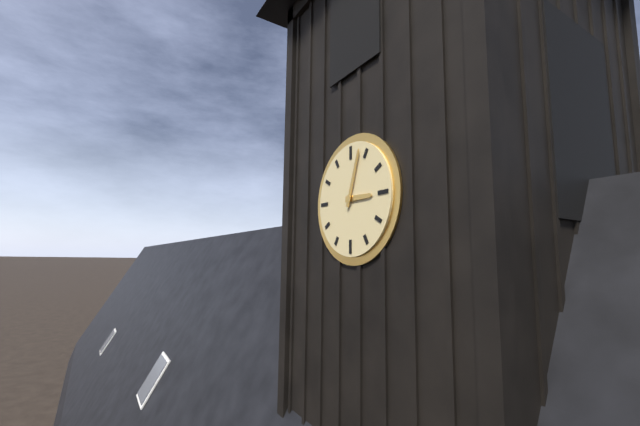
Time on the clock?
3:03
